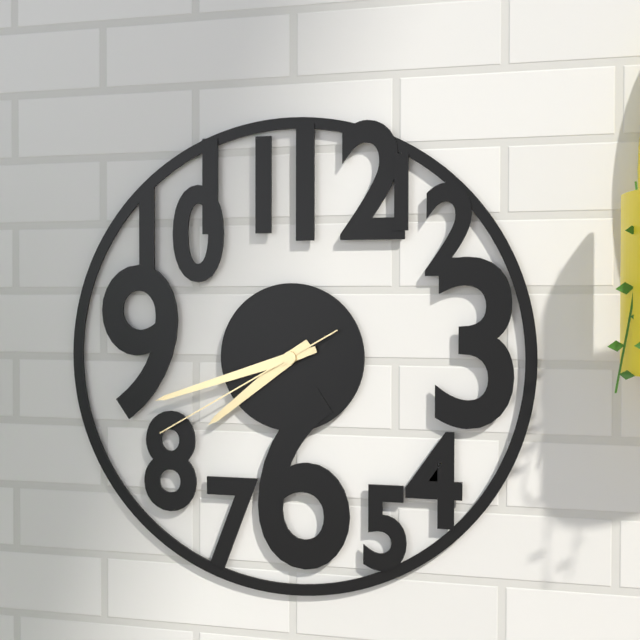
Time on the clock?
7:42:40
